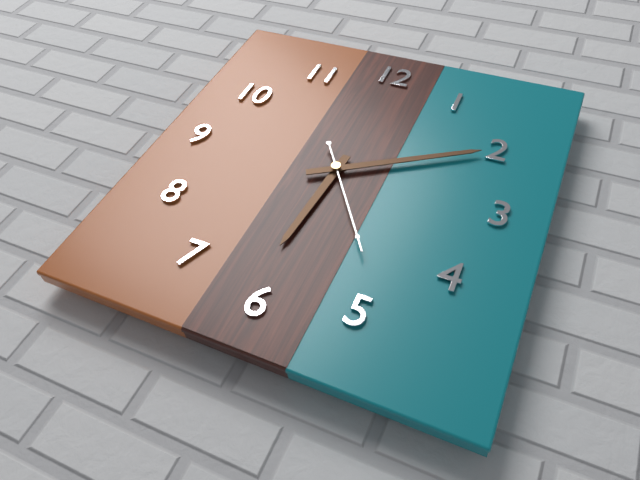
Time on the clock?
6:10:24
